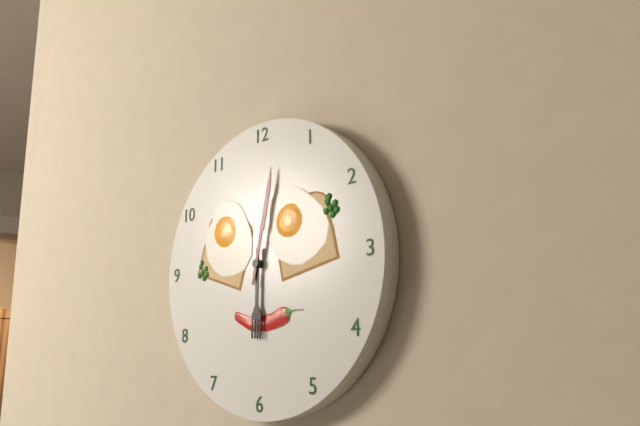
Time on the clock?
6:02
